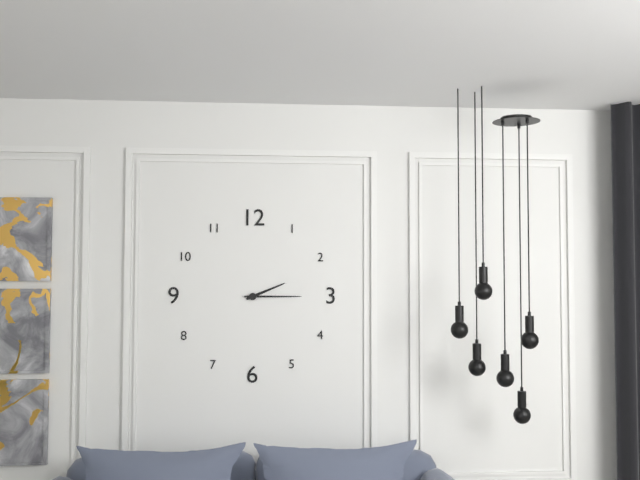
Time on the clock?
2:15
